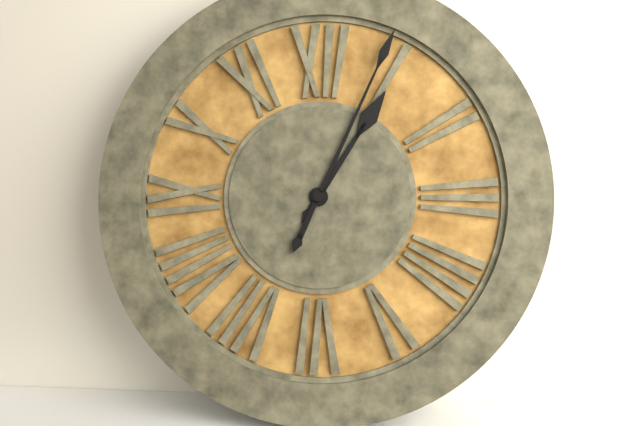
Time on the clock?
1:04
